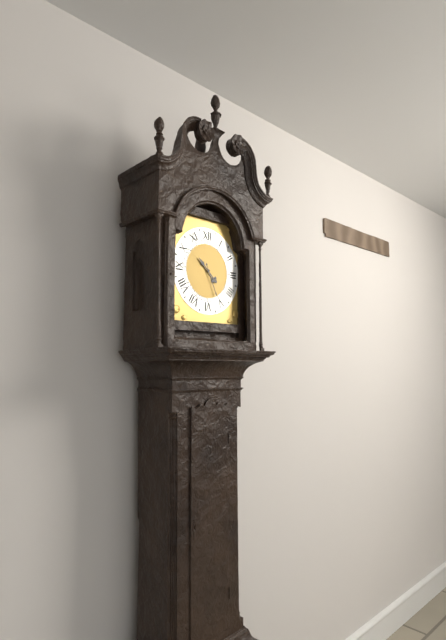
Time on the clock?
10:26
